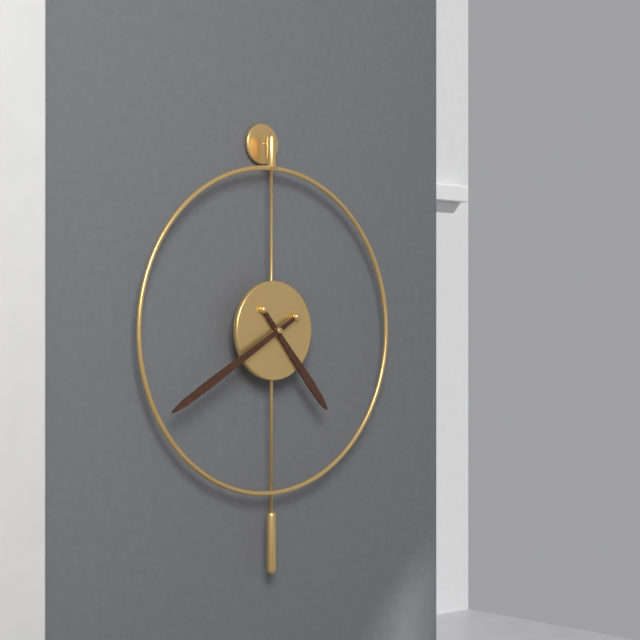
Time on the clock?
4:40
